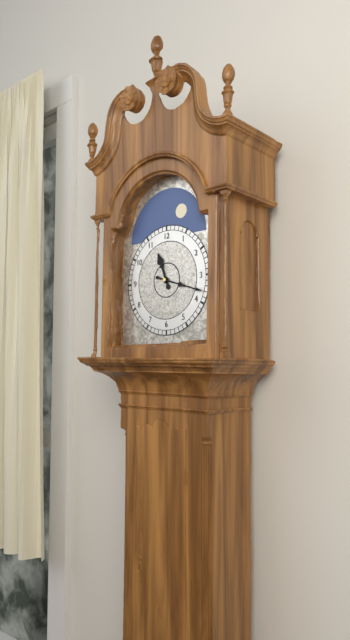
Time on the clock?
11:18
